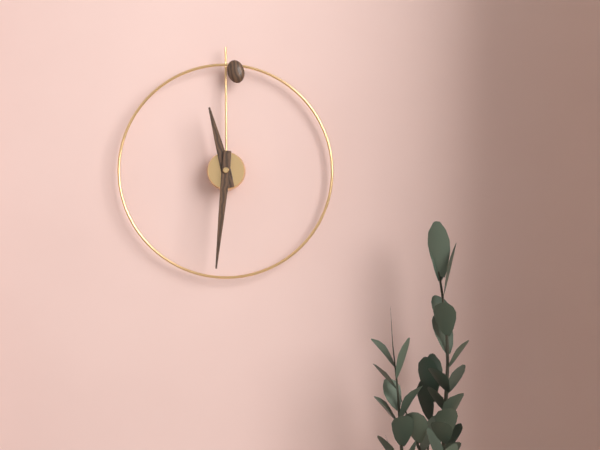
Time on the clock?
11:31
